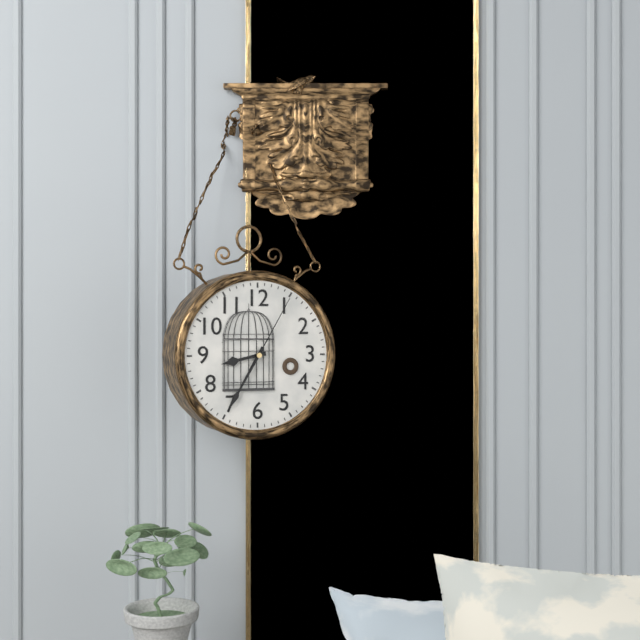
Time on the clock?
8:35:05
